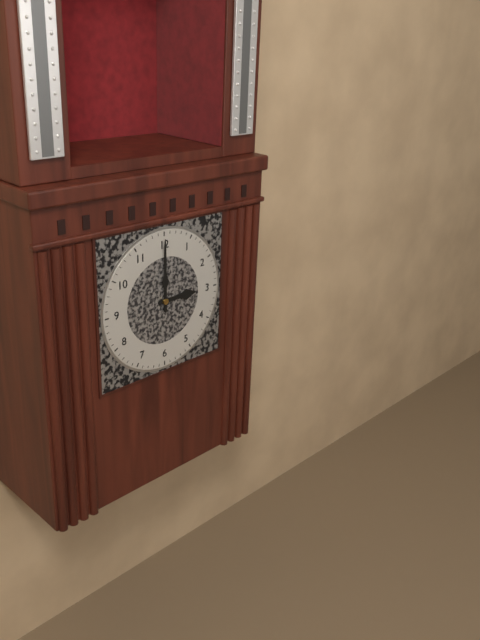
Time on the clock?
3:00
